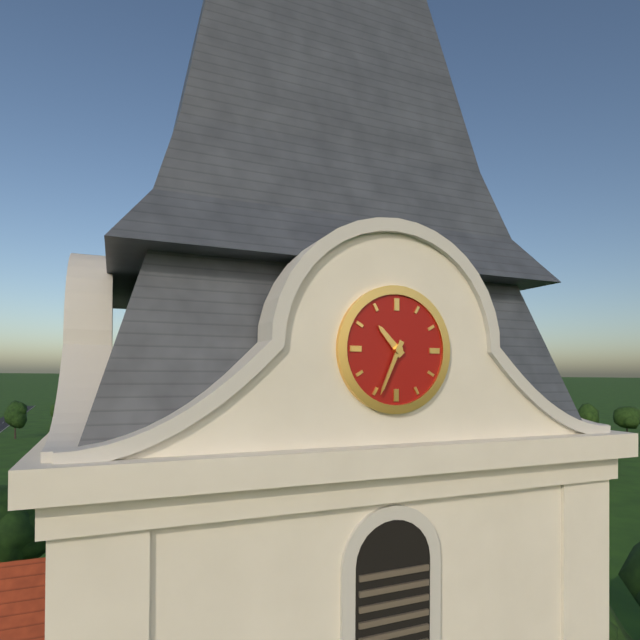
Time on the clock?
10:34
